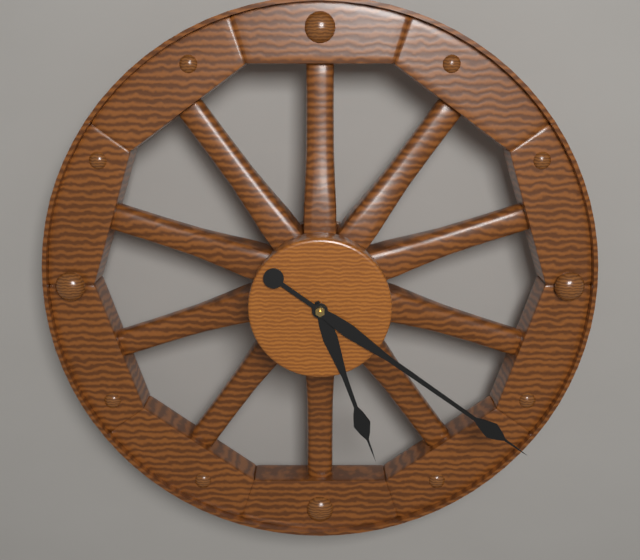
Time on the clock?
5:21
